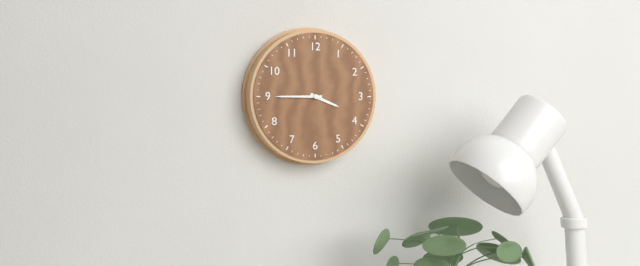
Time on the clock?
3:45
